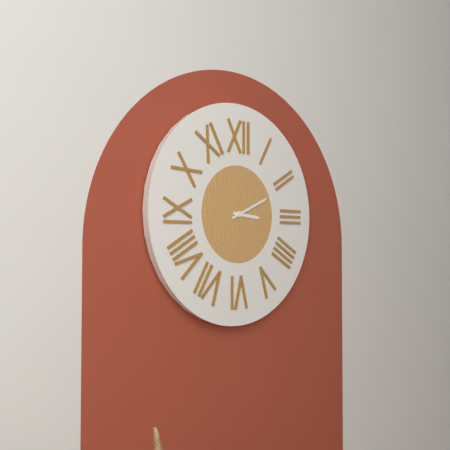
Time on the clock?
3:11
